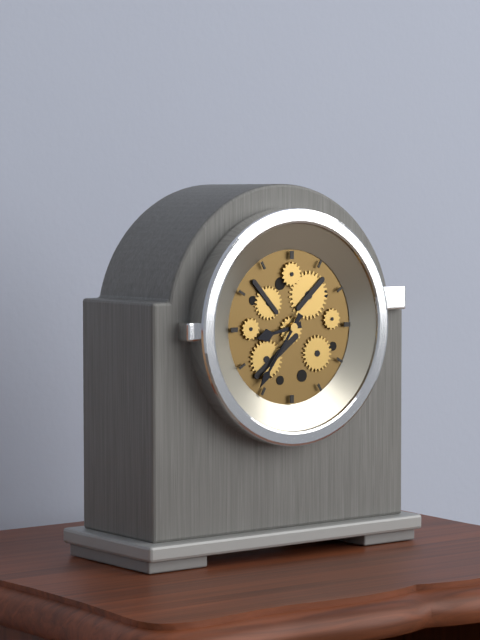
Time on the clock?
8:36
